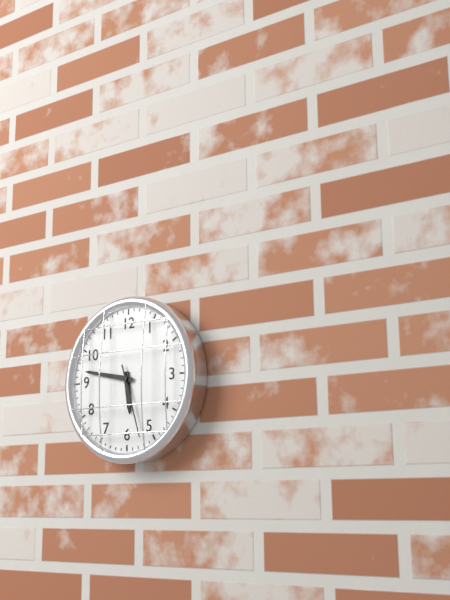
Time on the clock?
5:47:27
